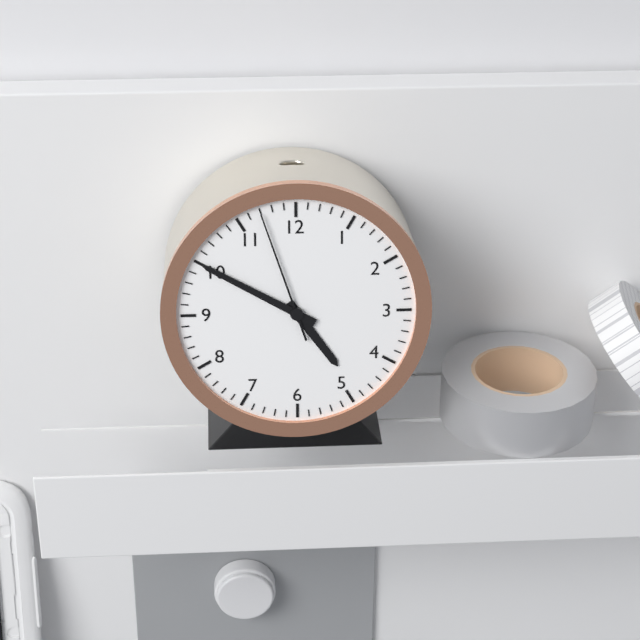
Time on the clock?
4:50:57
